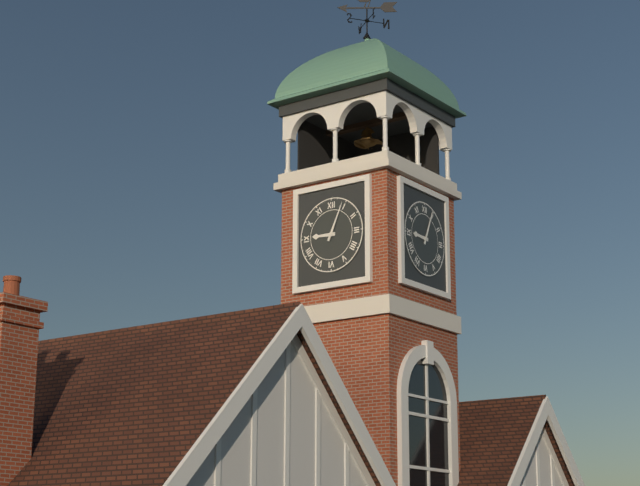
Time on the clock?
9:04
